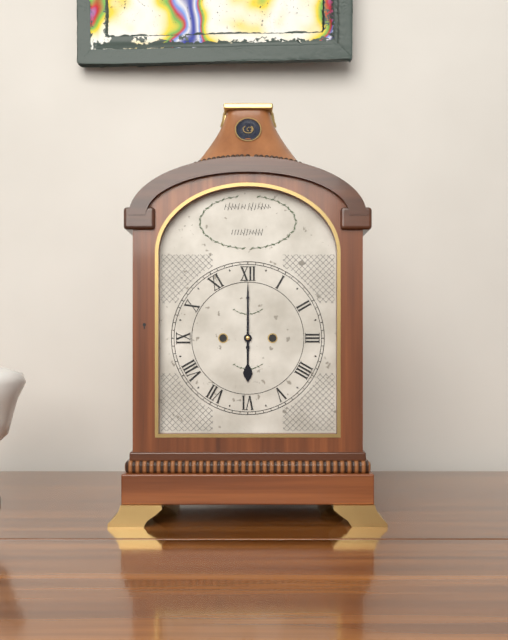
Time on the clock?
6:00
